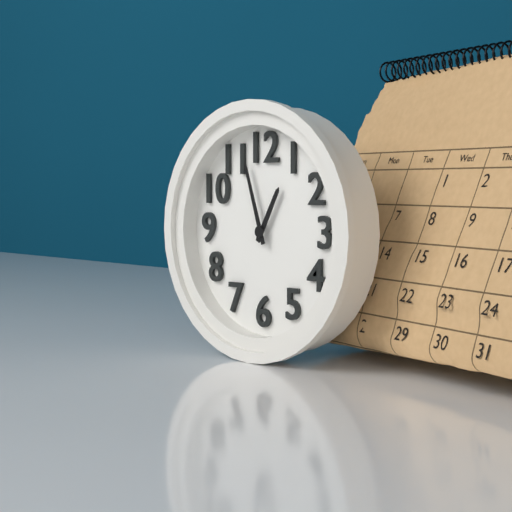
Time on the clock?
12:57
